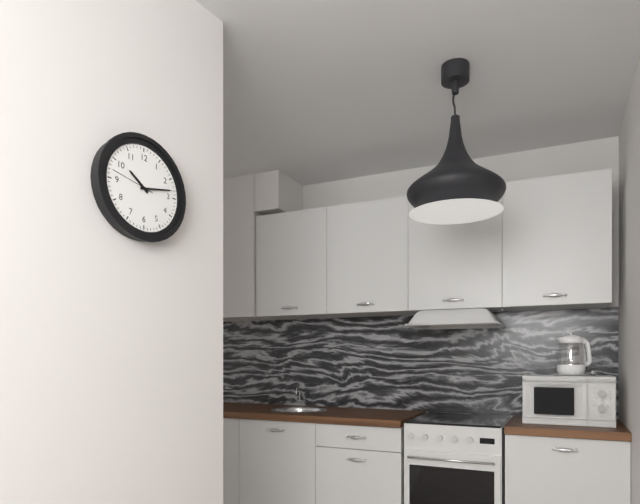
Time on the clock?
10:13
